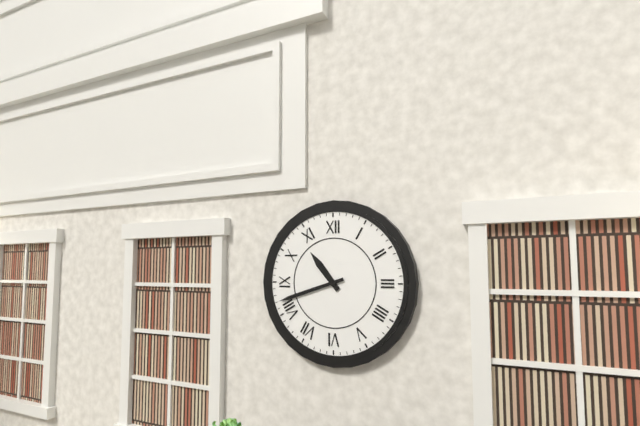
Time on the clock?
10:42
